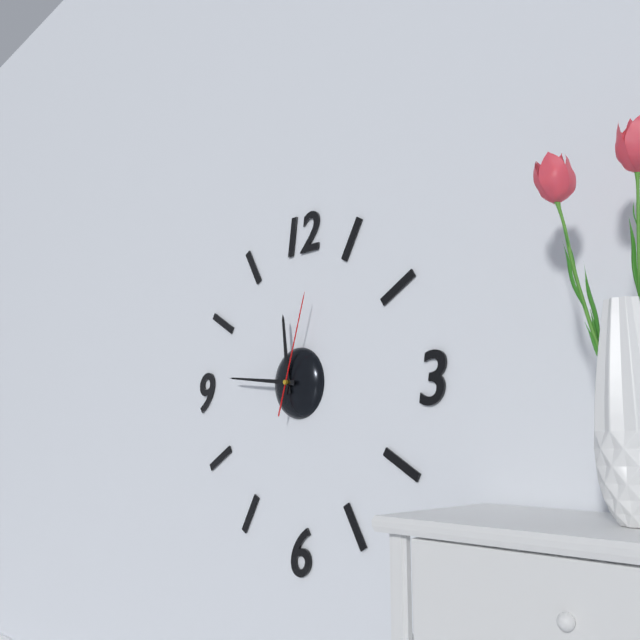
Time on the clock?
11:46:03
